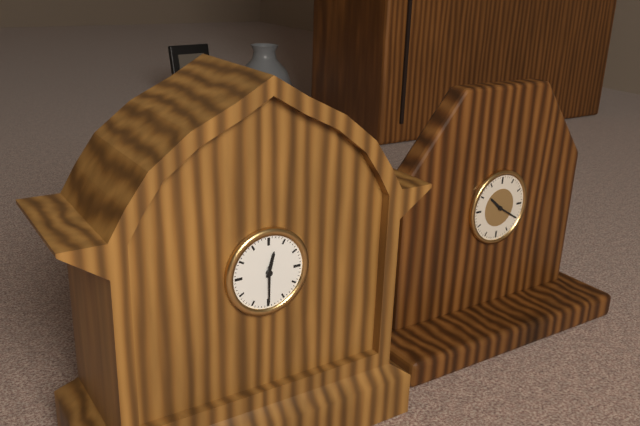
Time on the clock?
12:30
